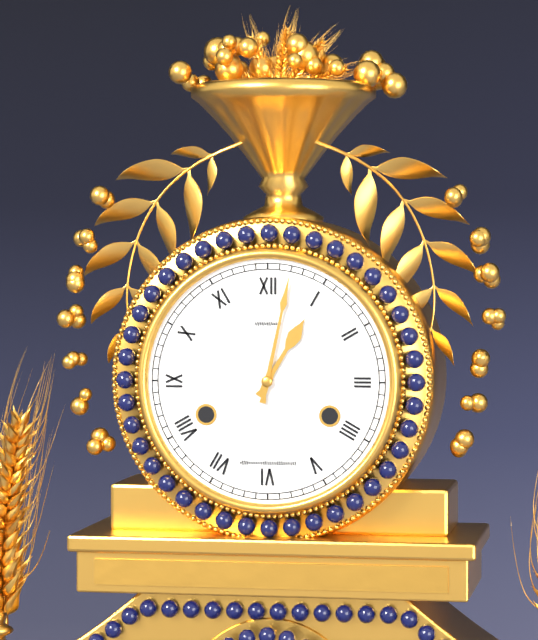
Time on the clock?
1:02
